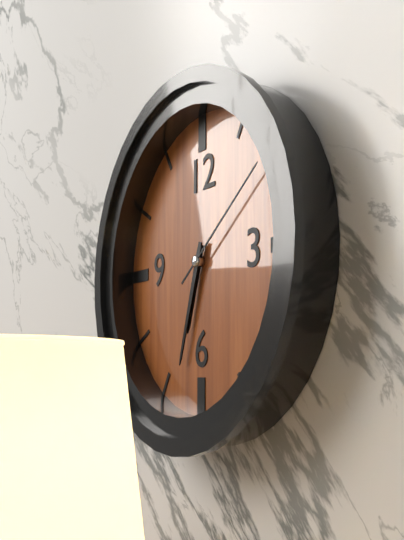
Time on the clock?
6:33:09
